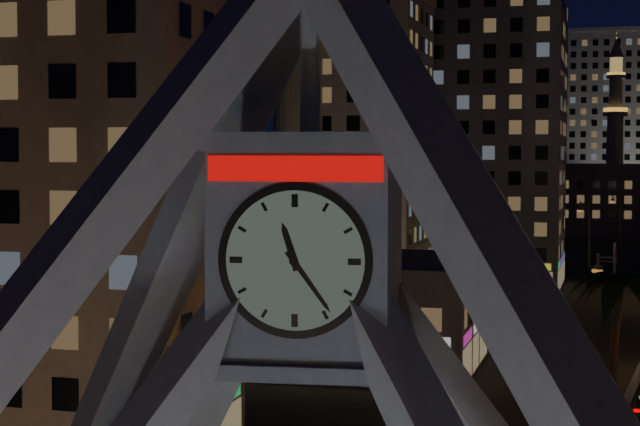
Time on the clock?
11:24
